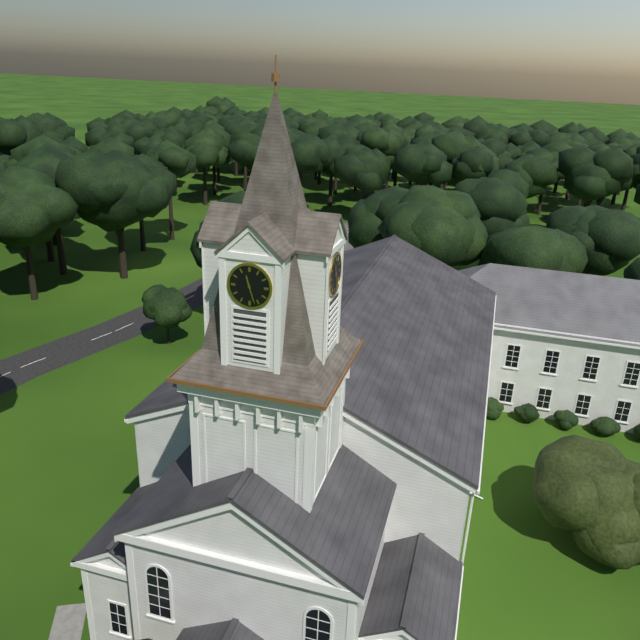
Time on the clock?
11:27
